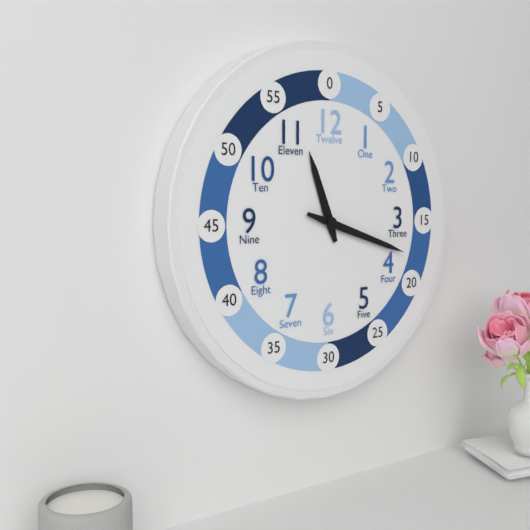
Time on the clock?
11:18
